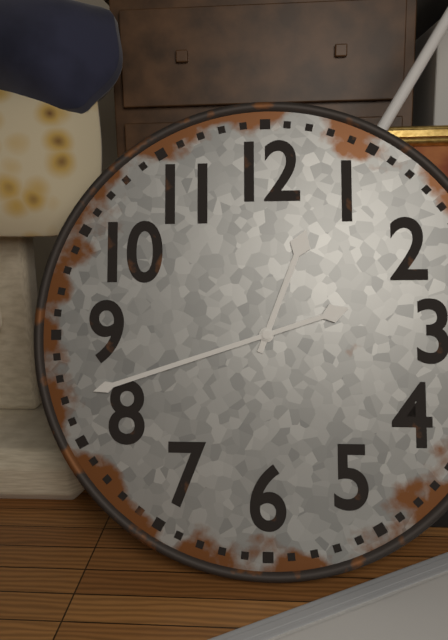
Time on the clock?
12:42
